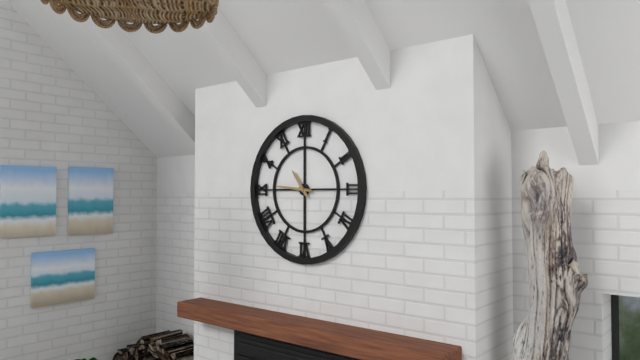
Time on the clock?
10:46
